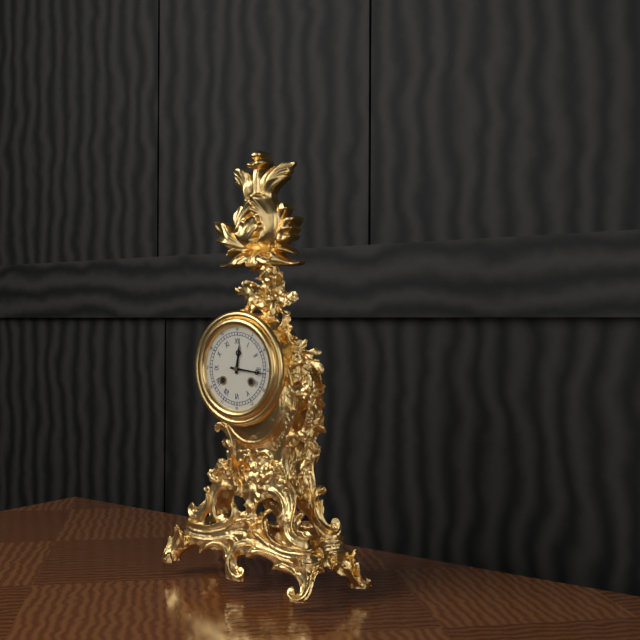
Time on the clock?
12:16
